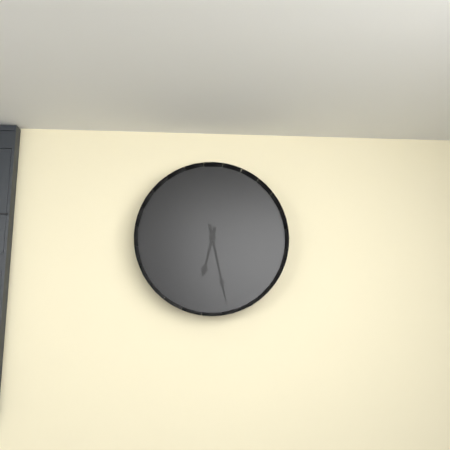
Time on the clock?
6:28
